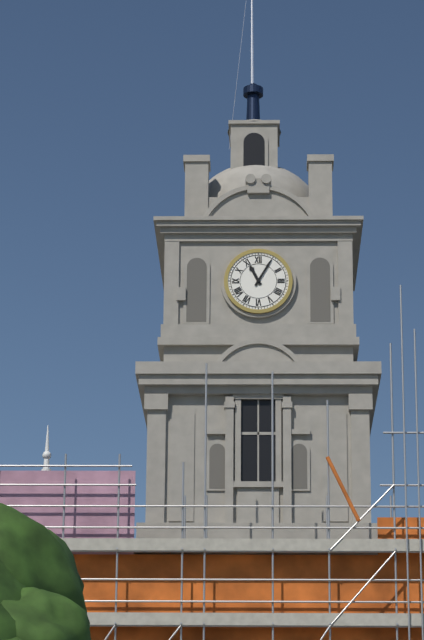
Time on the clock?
11:05
